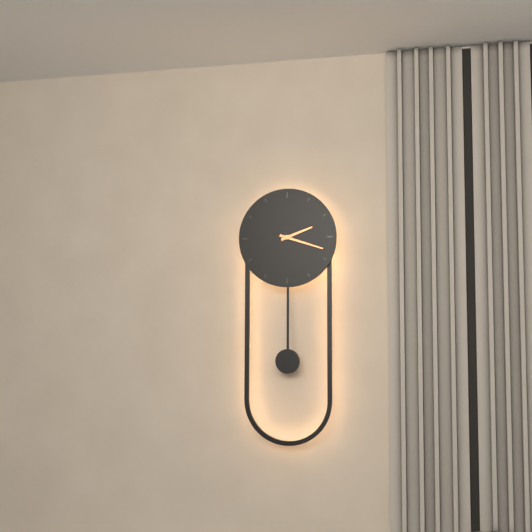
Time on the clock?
2:18
